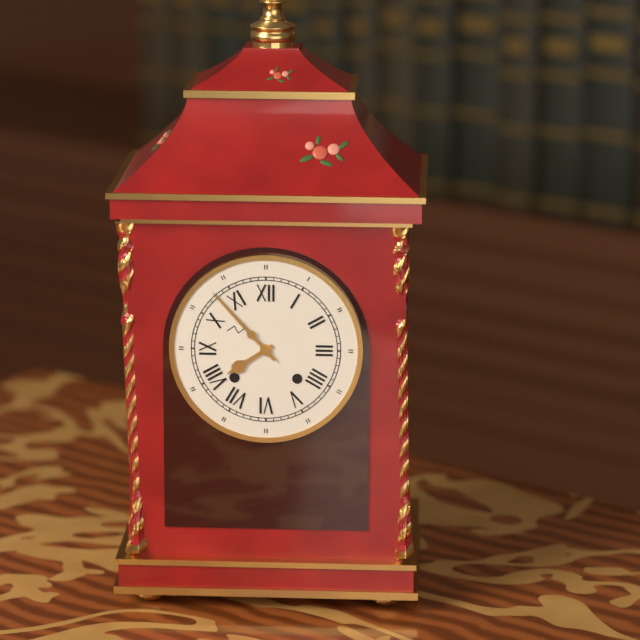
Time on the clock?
7:53
